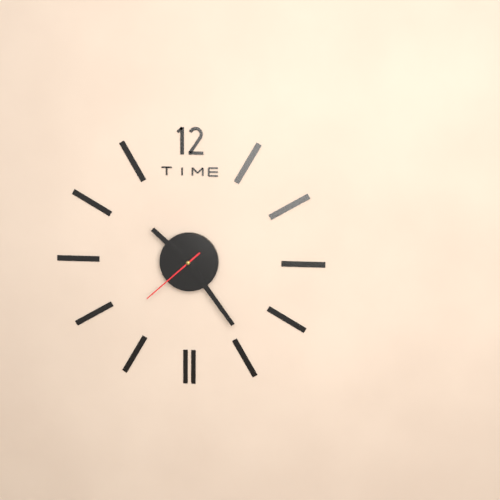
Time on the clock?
10:24:38
